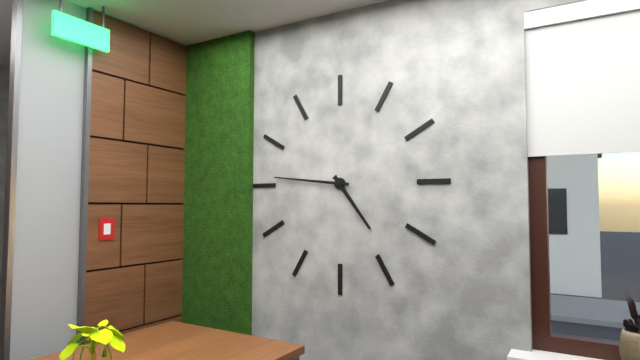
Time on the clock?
4:46
